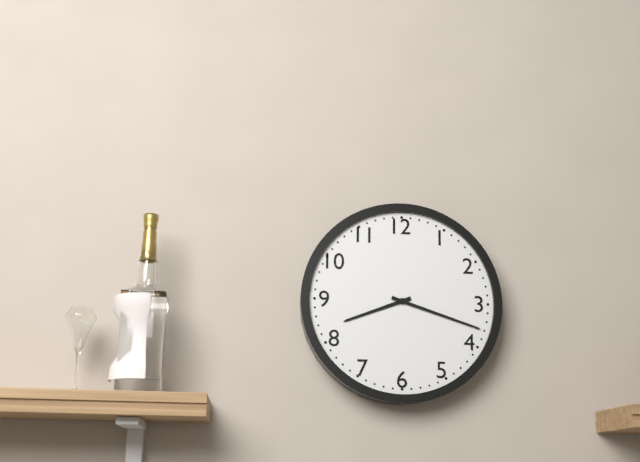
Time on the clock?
8:18
